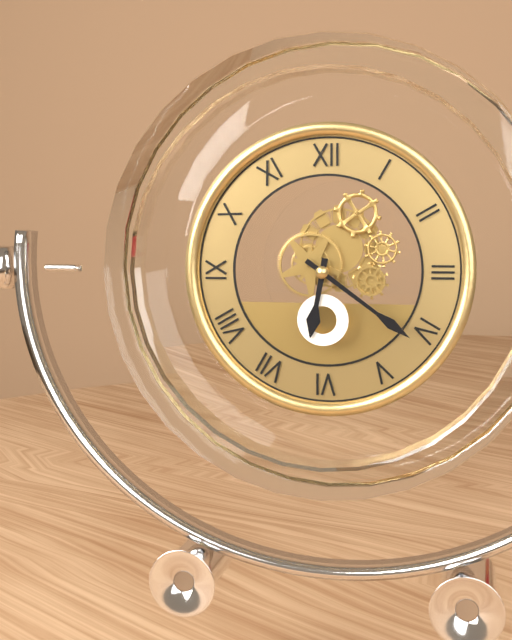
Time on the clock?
6:21
